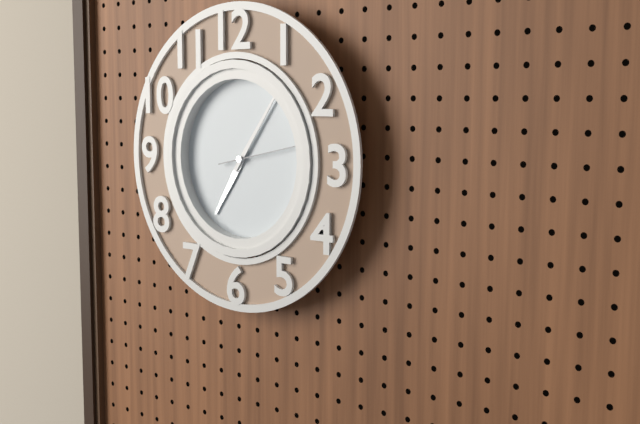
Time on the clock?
7:06:13
